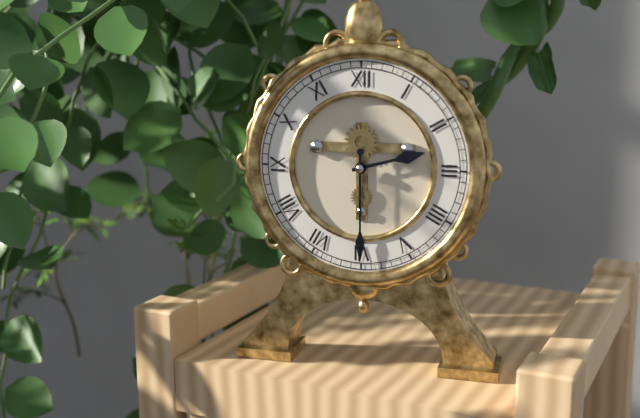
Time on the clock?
2:30
